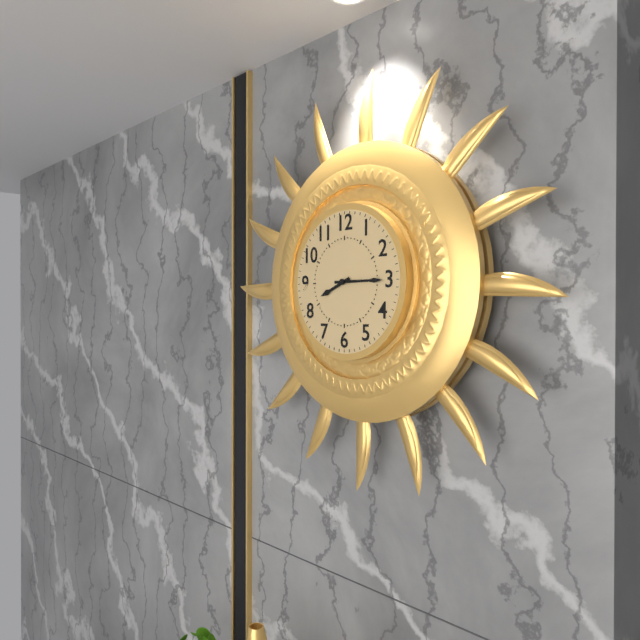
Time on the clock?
8:15
